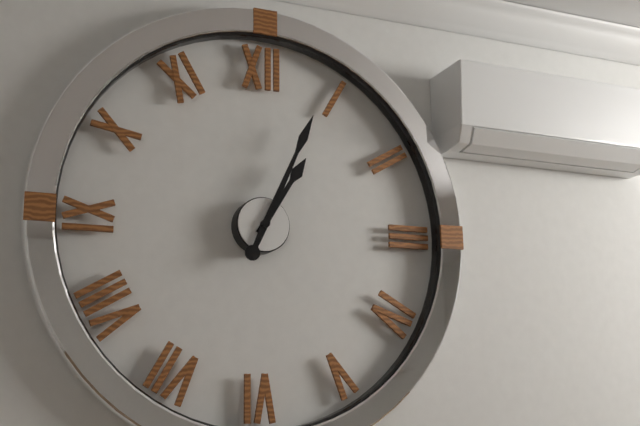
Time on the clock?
1:04
